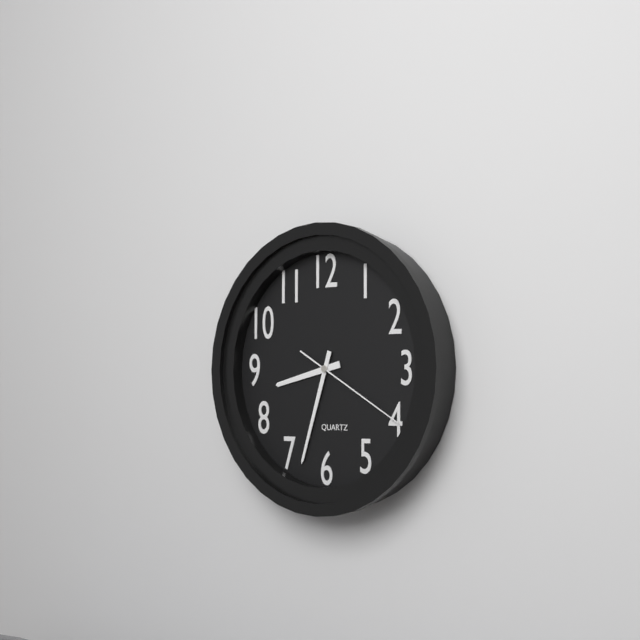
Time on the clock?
8:33:20
